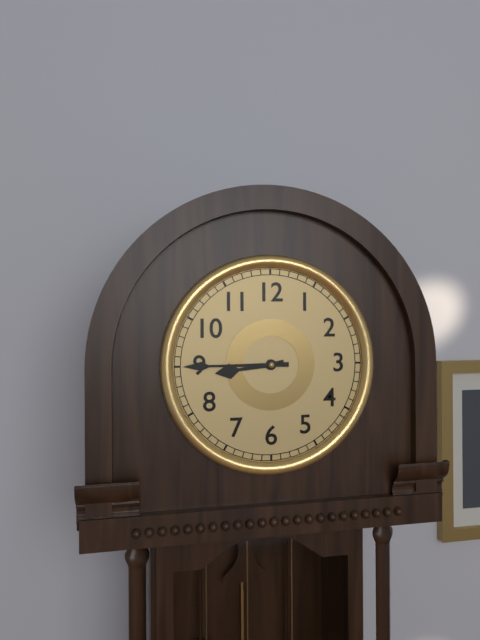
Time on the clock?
8:45
